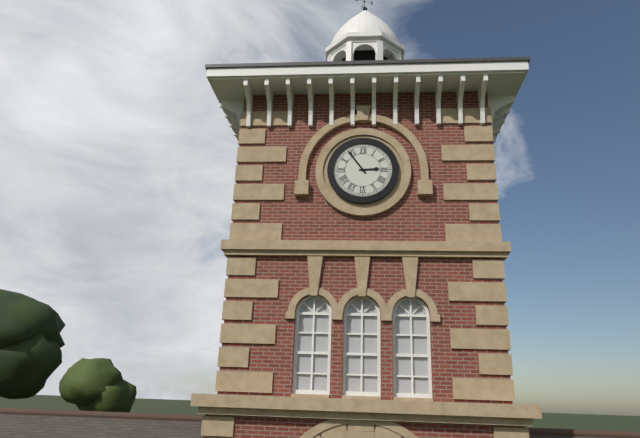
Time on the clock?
2:54
